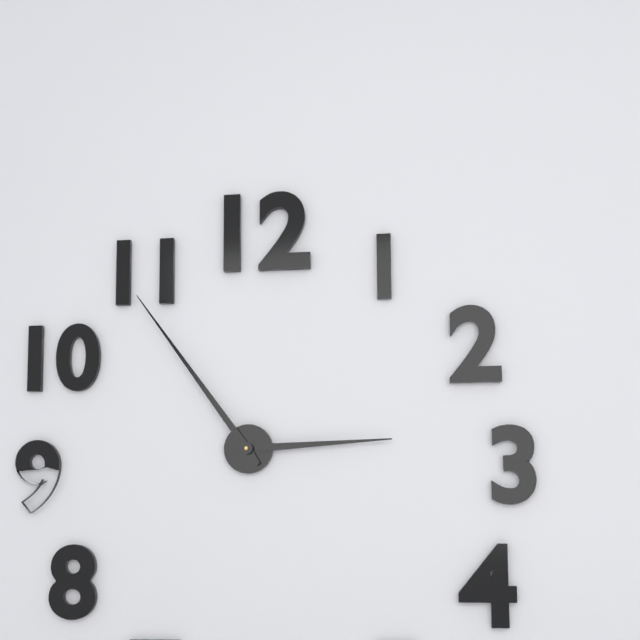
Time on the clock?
2:54
